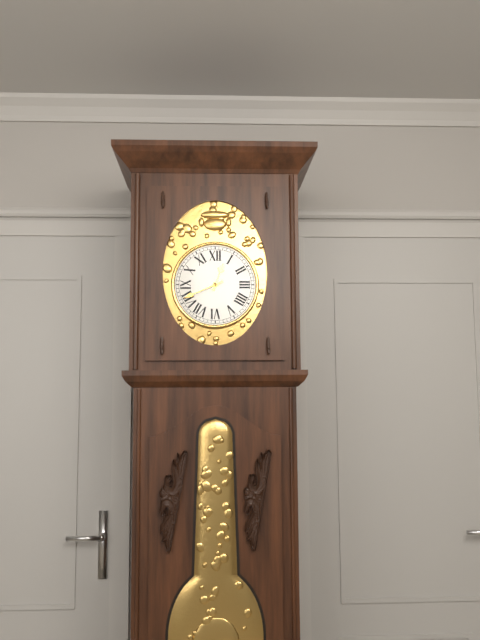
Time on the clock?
12:41
